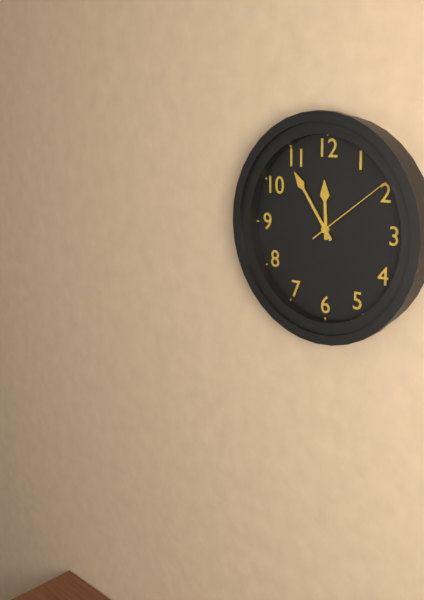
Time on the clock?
11:54:09
